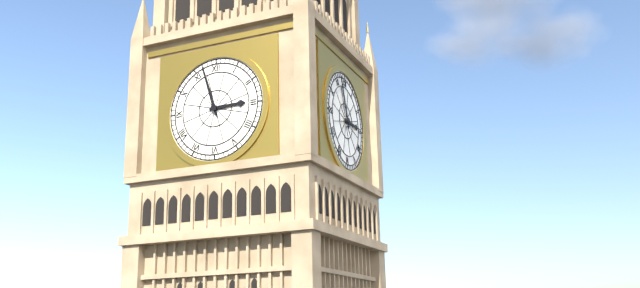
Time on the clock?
2:57
